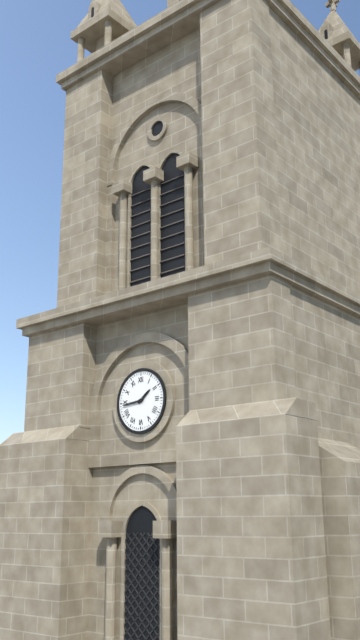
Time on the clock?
1:44
